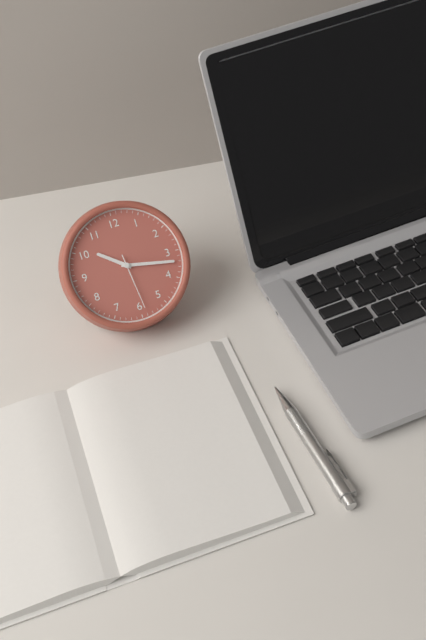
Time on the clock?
10:17:29
